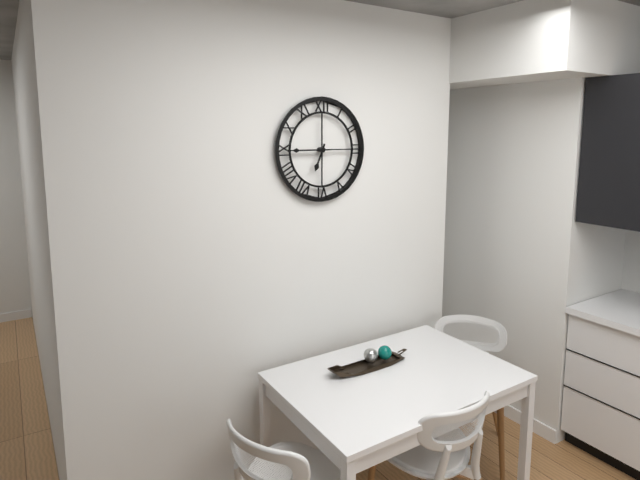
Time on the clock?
6:45
